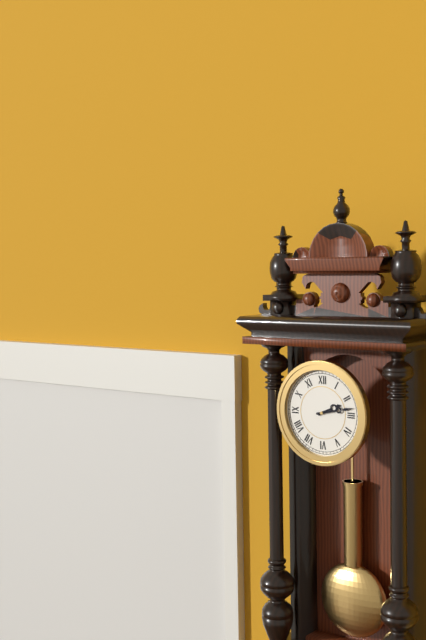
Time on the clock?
2:13
